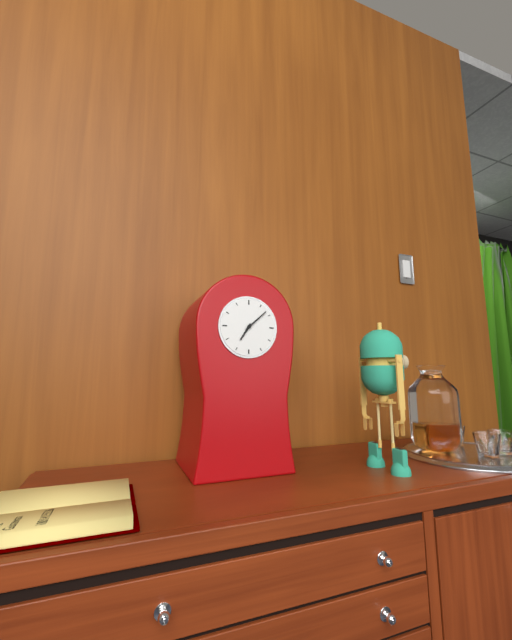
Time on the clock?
7:08
